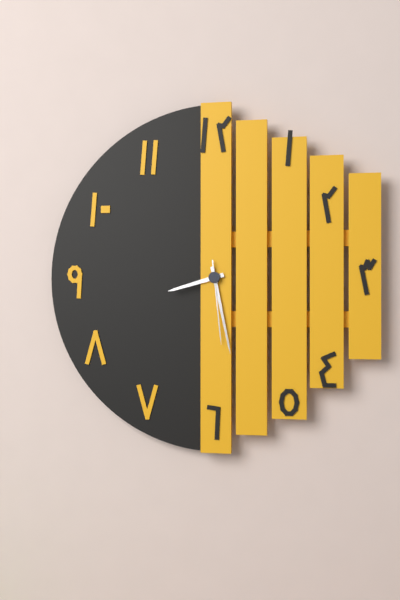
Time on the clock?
8:28:29
